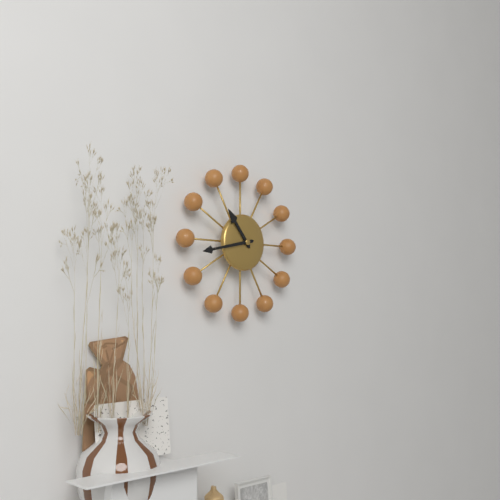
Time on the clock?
10:43
